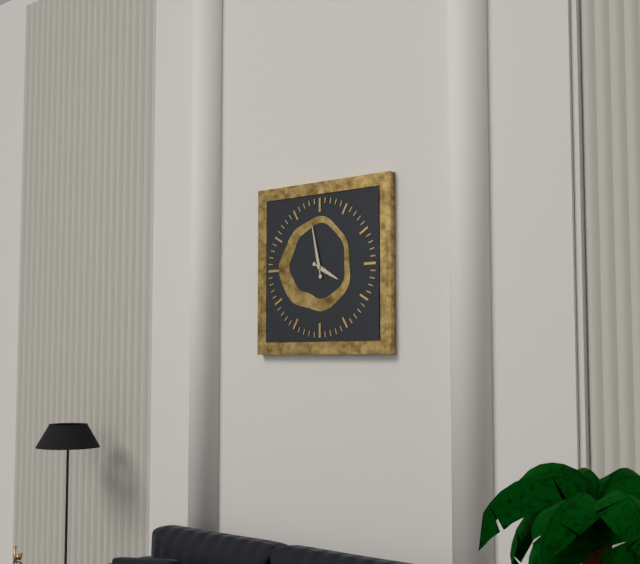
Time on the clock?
3:58
